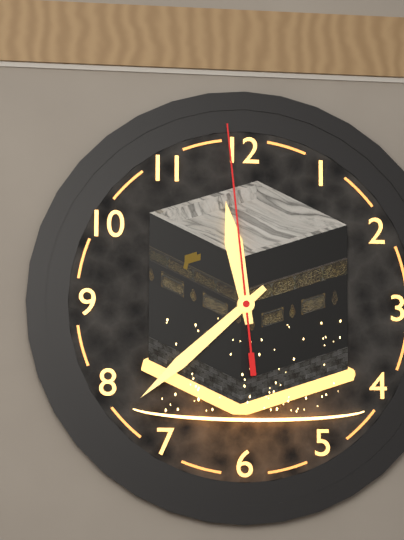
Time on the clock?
11:38:59
